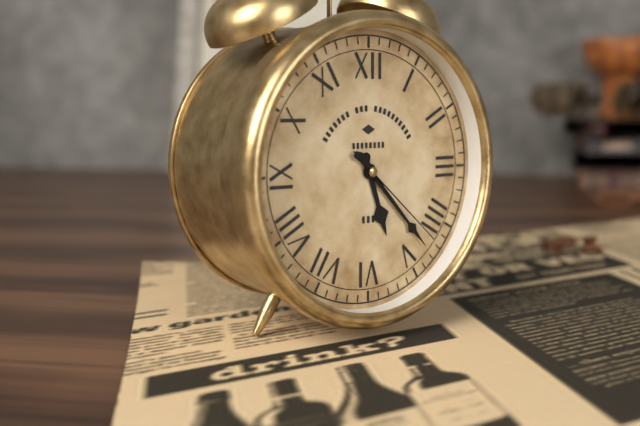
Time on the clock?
5:23:22
